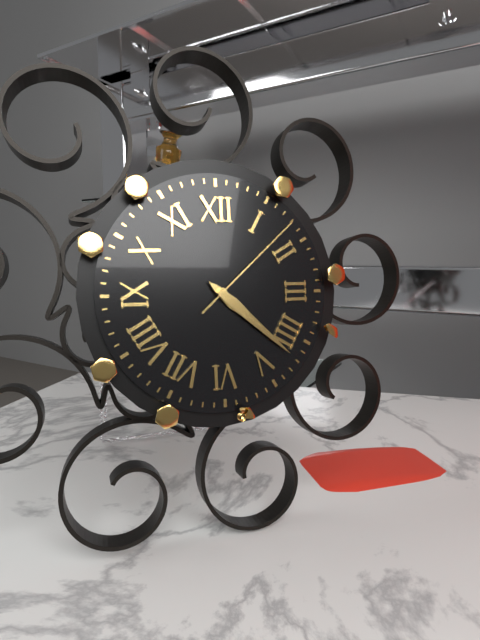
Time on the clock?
4:22:08
